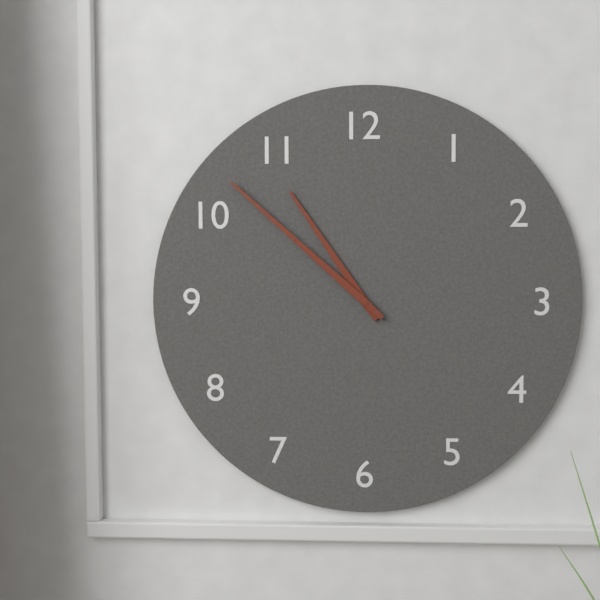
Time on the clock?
10:52
